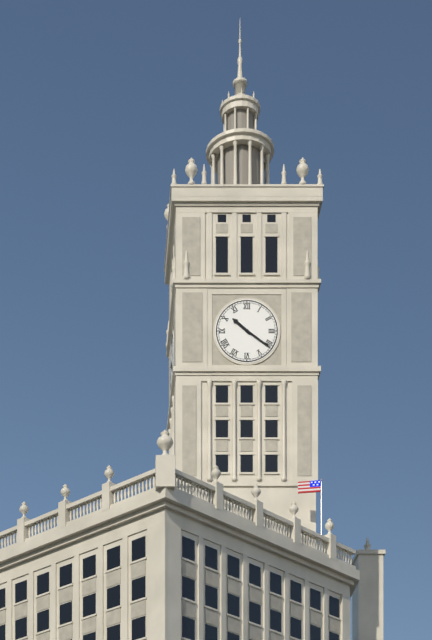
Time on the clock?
10:21
